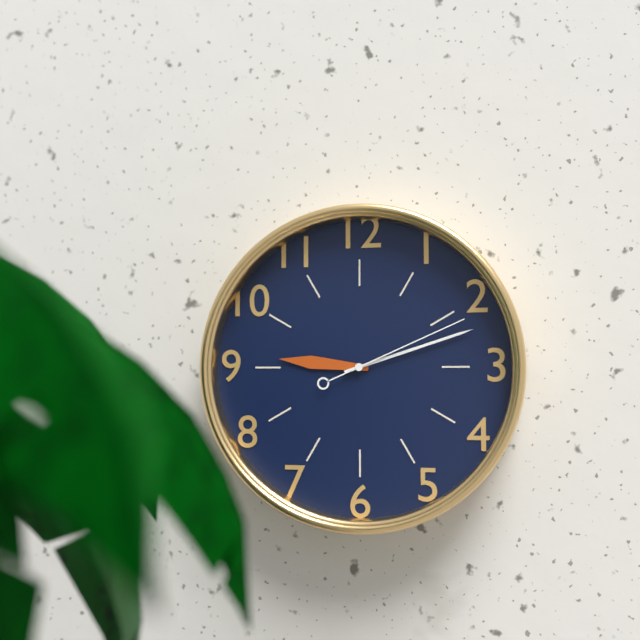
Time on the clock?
9:12:11
